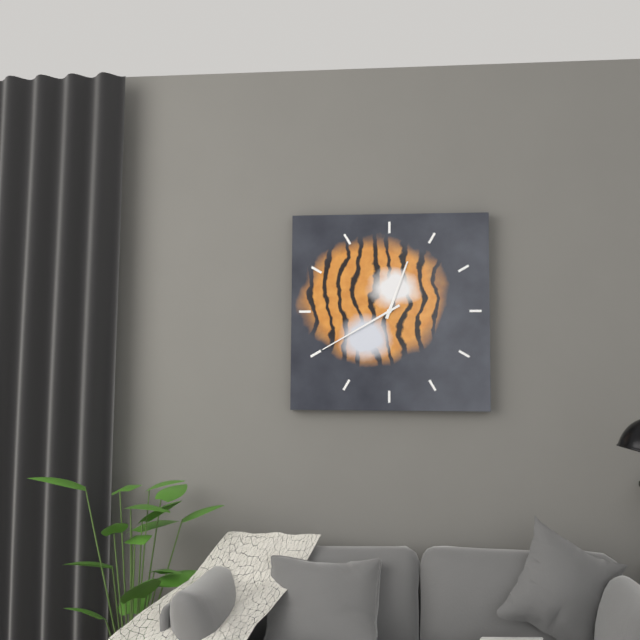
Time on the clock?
12:40
